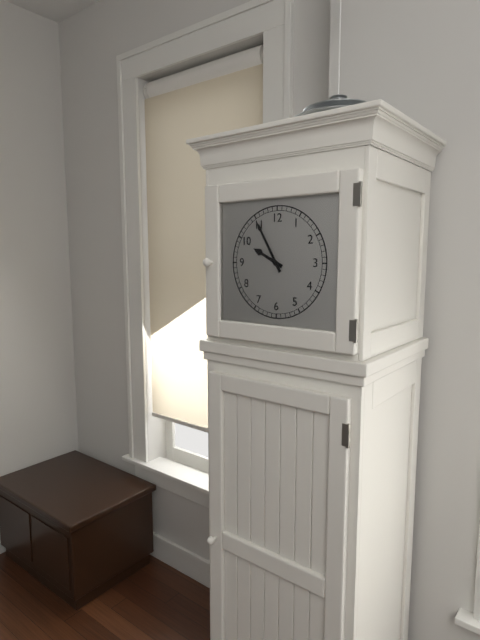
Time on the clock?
9:55
